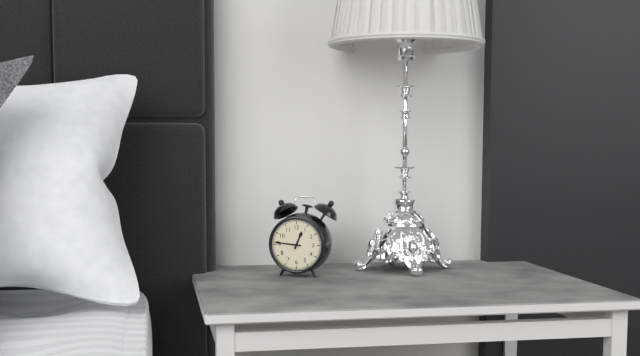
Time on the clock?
12:46
